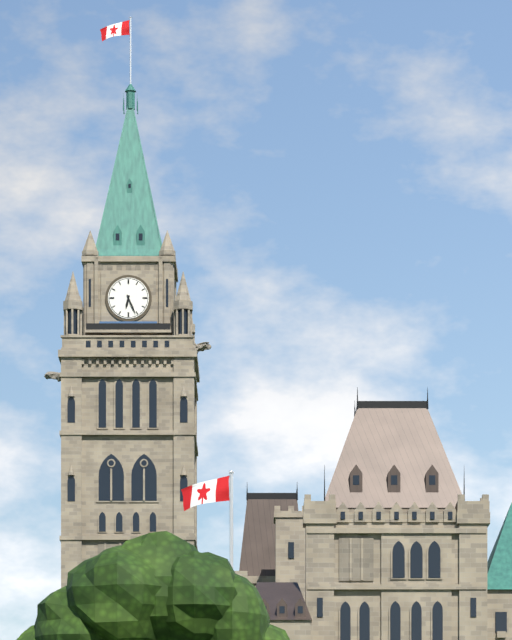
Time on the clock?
6:26
